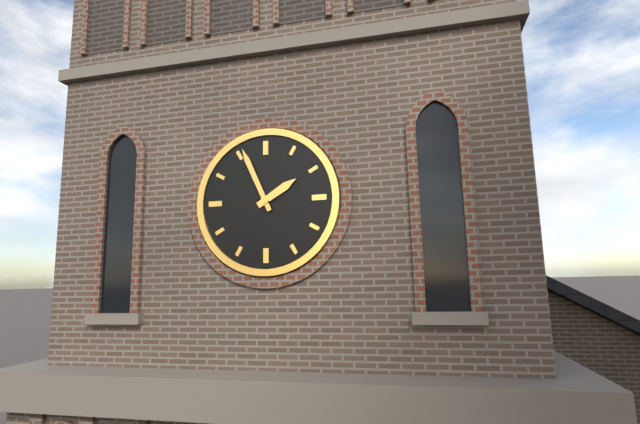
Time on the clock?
1:56
